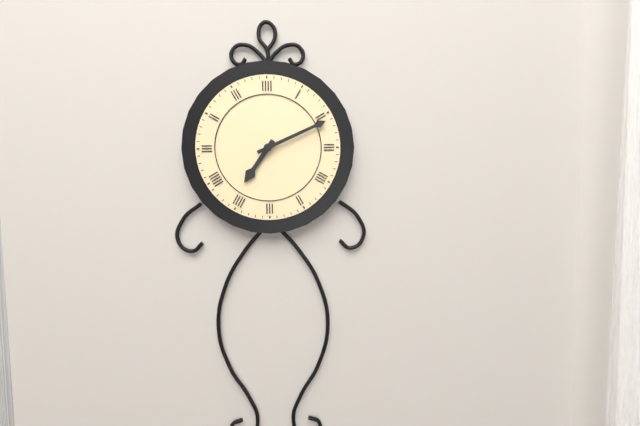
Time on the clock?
7:11
